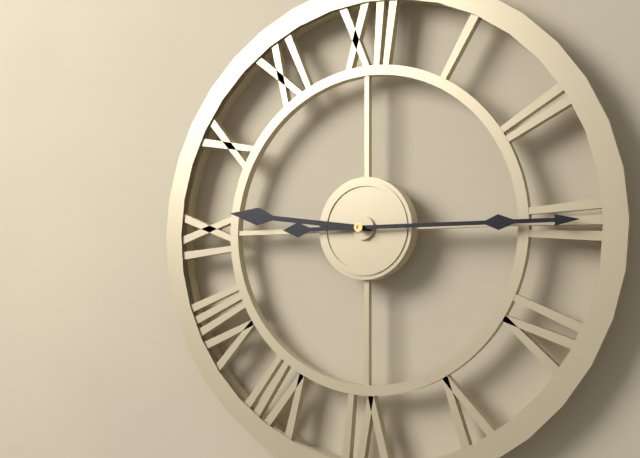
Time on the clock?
9:15
